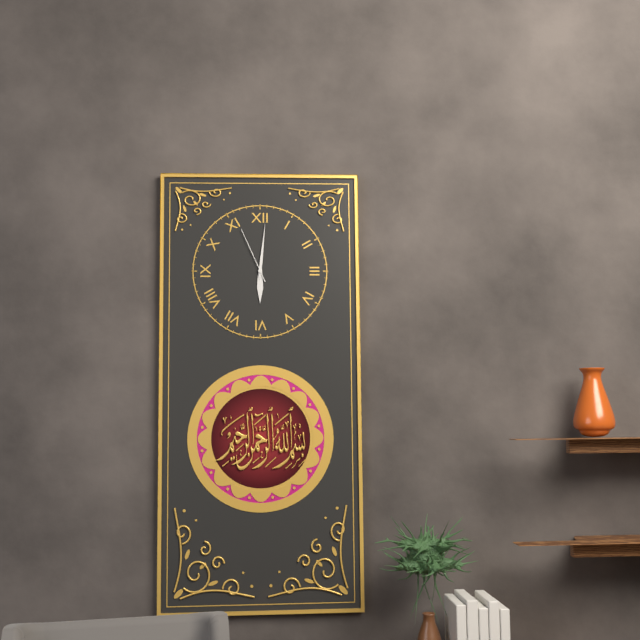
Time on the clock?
6:01:56
